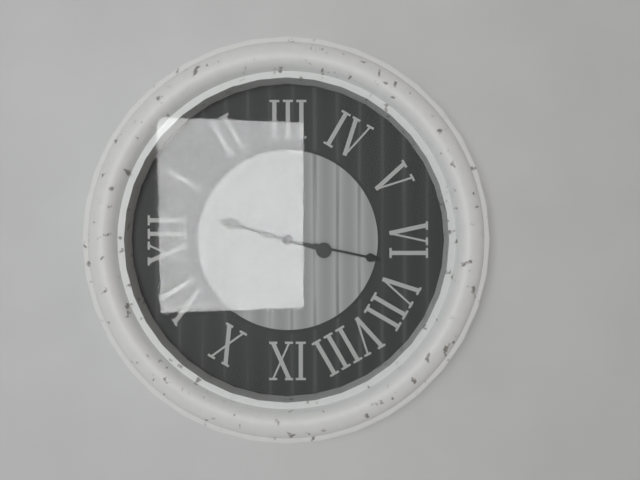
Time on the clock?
12:32
